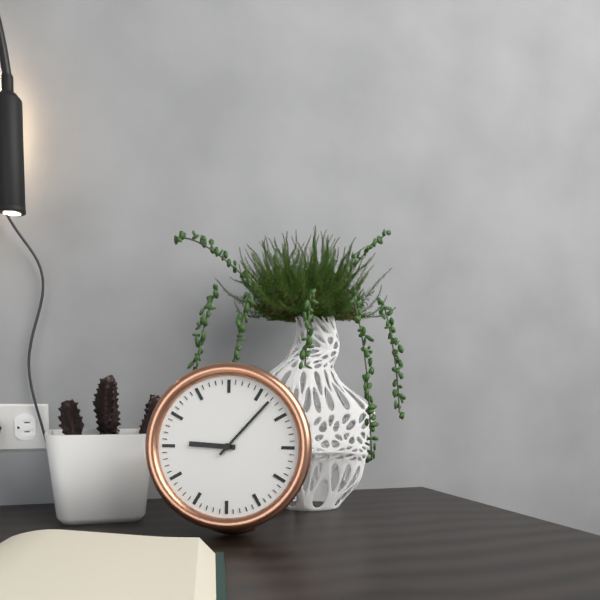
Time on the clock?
9:07
